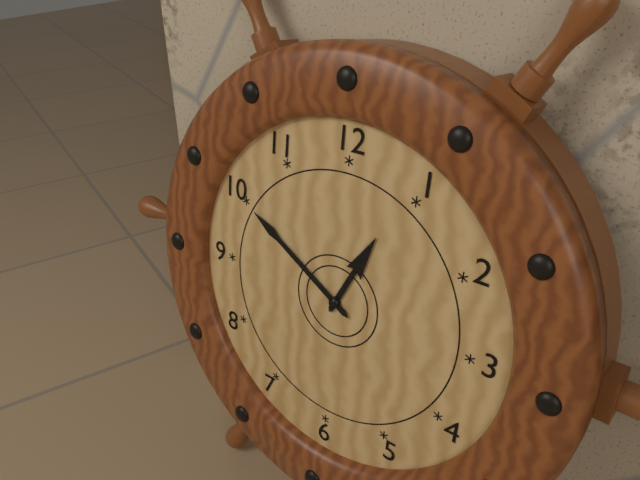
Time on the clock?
12:50
